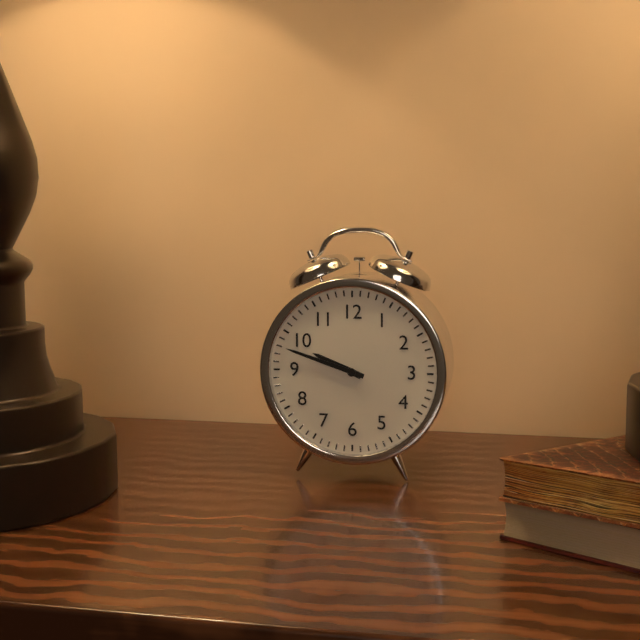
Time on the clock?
9:48
